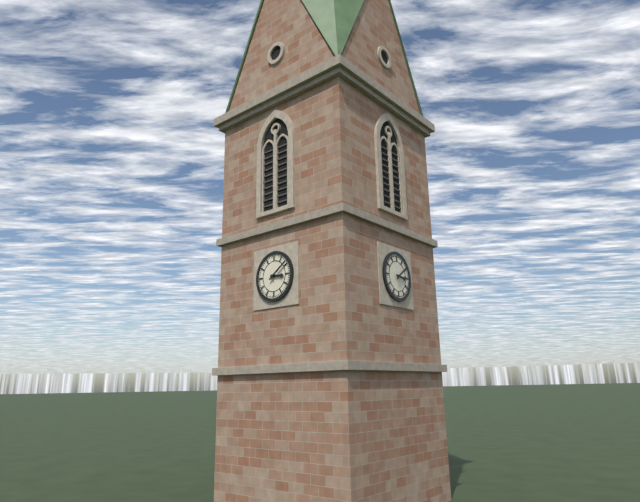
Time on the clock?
3:09
